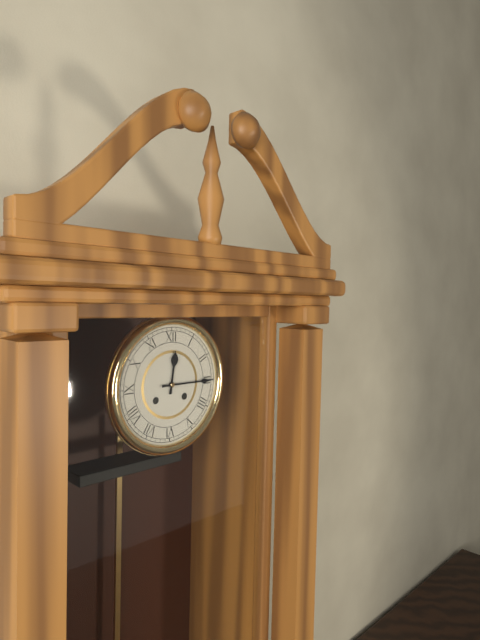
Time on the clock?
12:15
